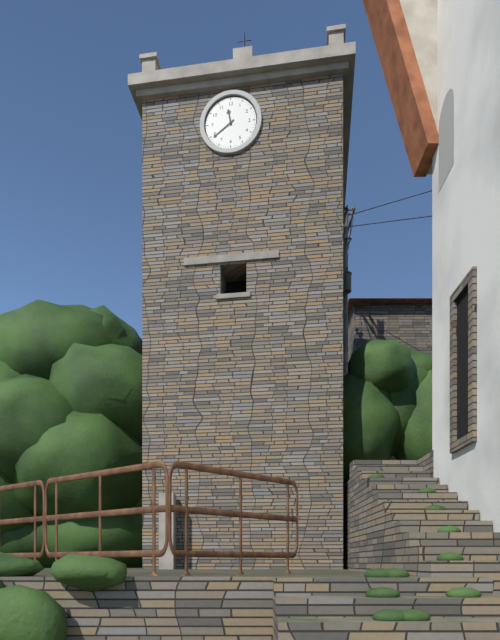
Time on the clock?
11:39
